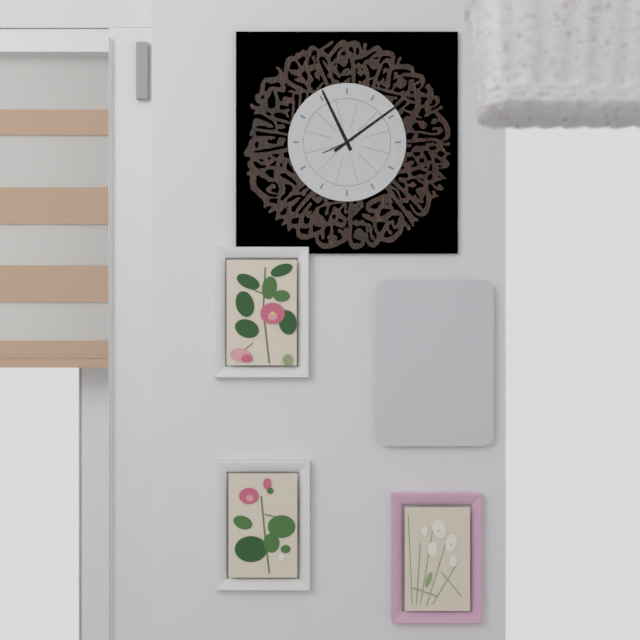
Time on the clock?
11:09
